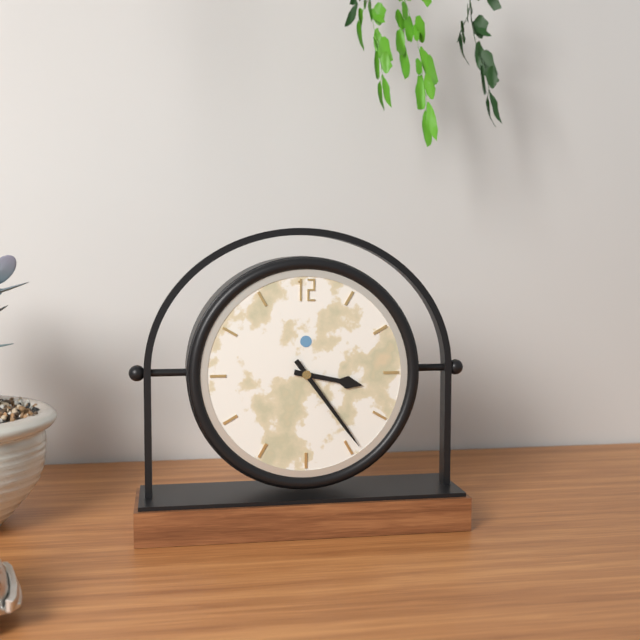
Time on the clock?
3:24
